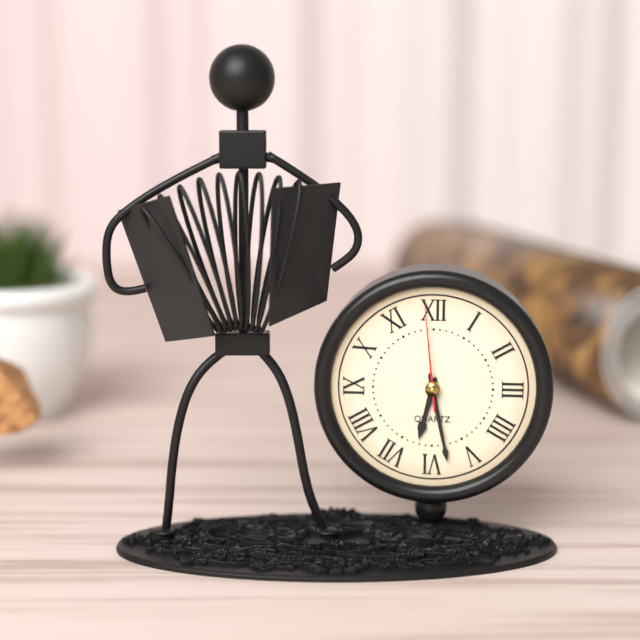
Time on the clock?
6:28:59
